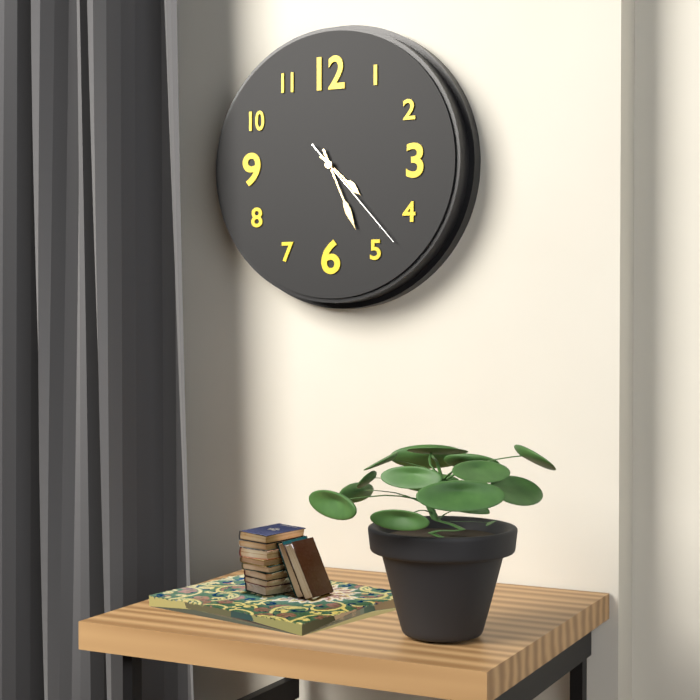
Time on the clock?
4:26:23
